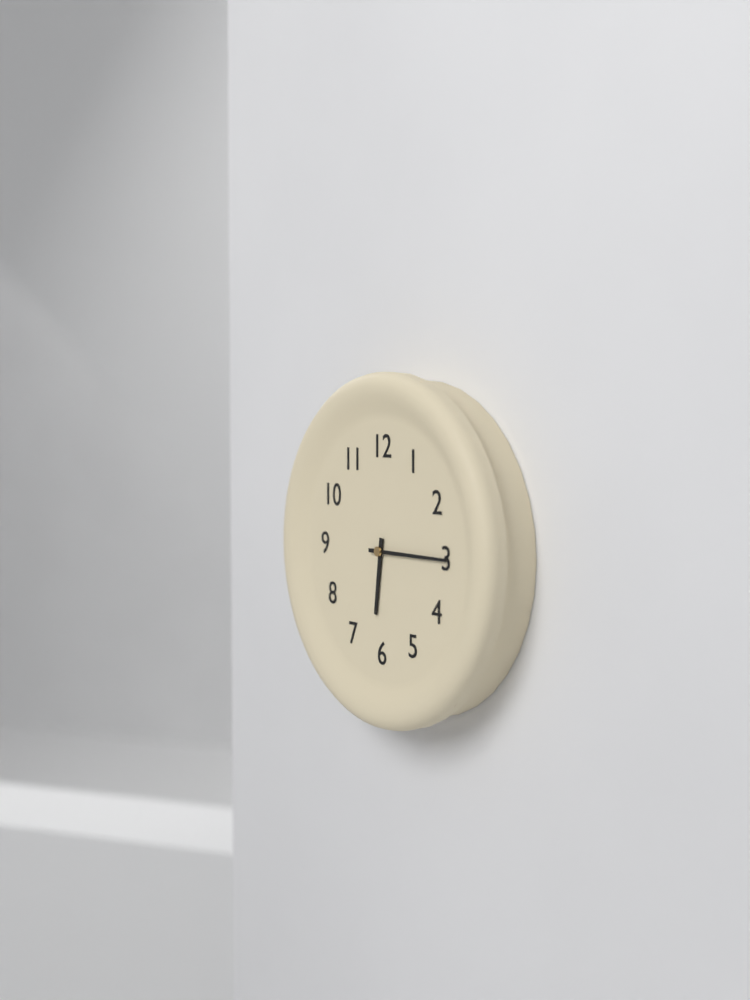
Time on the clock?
6:15
